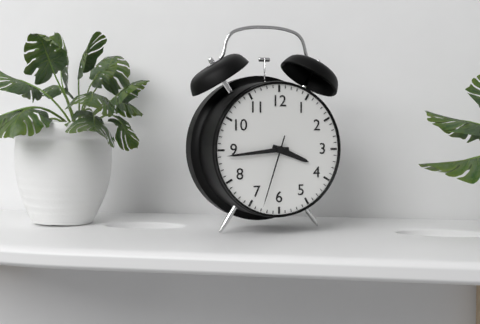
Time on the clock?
3:44:33
